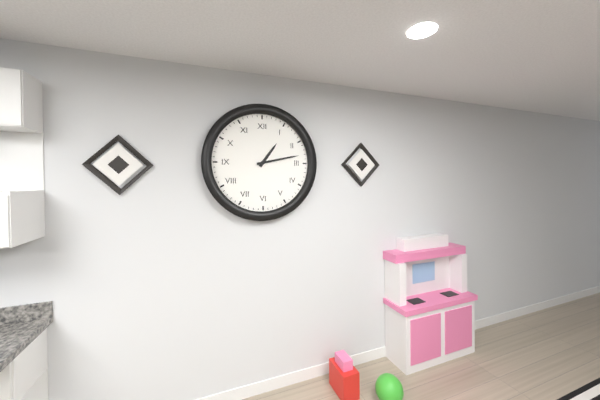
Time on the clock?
1:13
